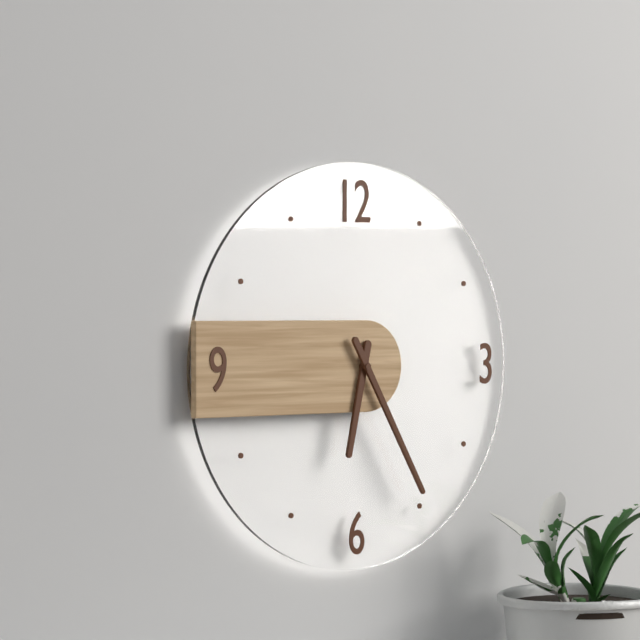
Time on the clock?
6:25
